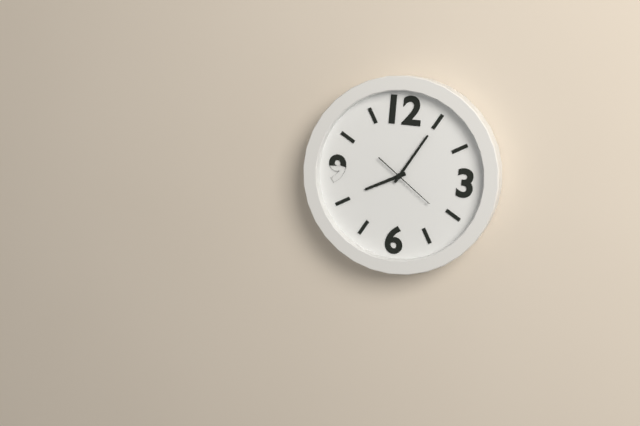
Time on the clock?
8:05:21
